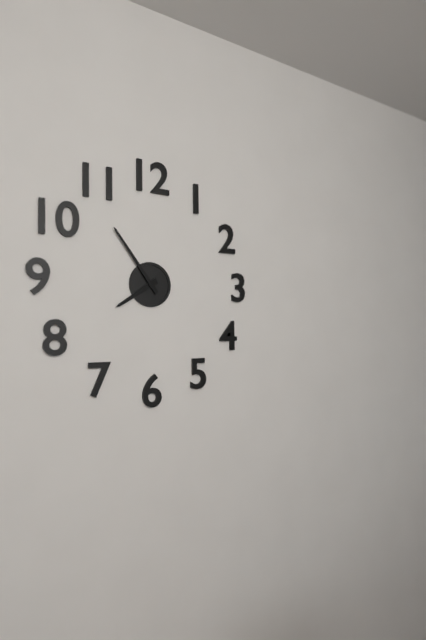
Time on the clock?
7:54
